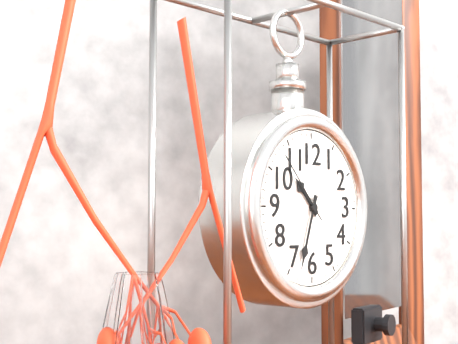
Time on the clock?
10:33:53
